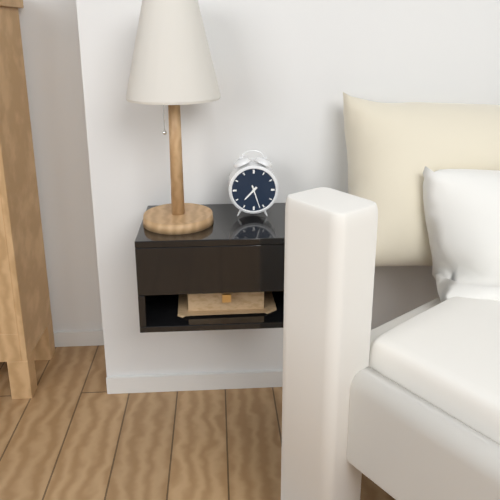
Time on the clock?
7:27
